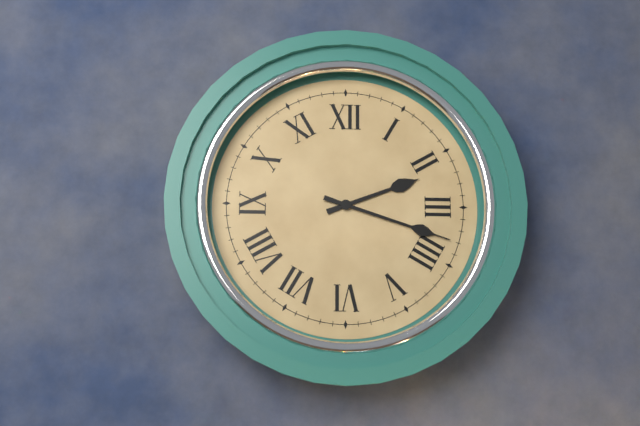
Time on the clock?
2:18
